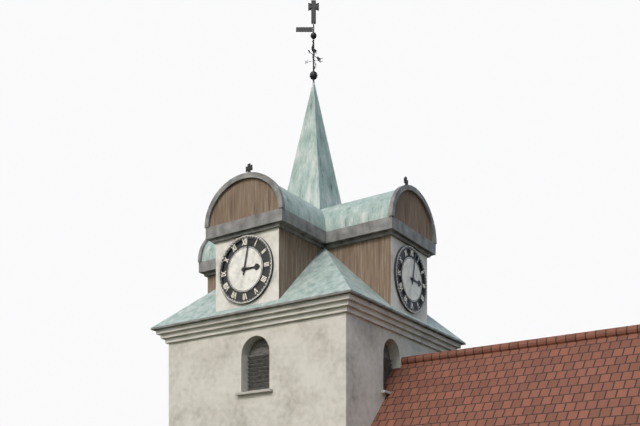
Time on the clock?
3:02
